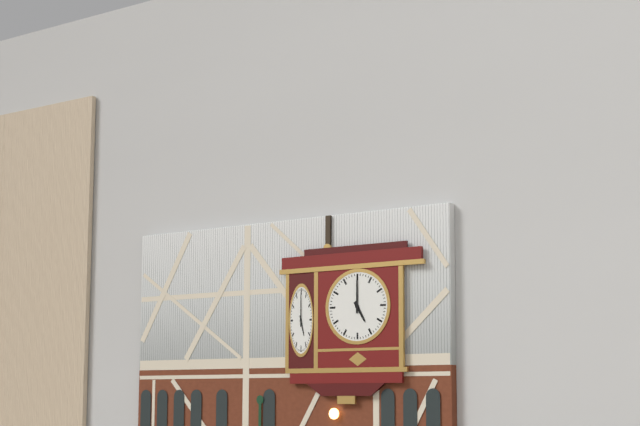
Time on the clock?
5:00
